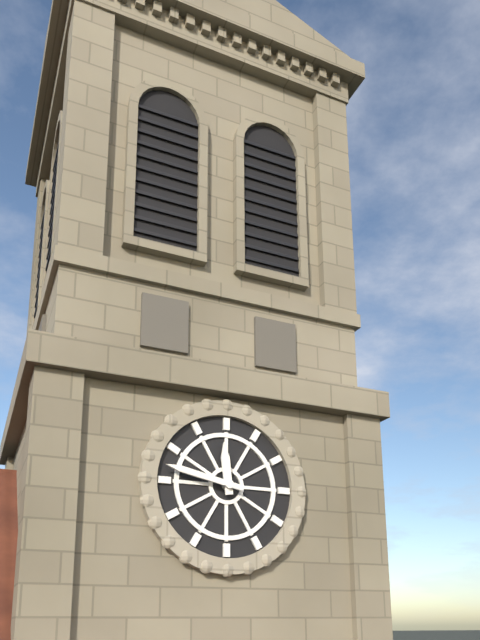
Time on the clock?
11:47
